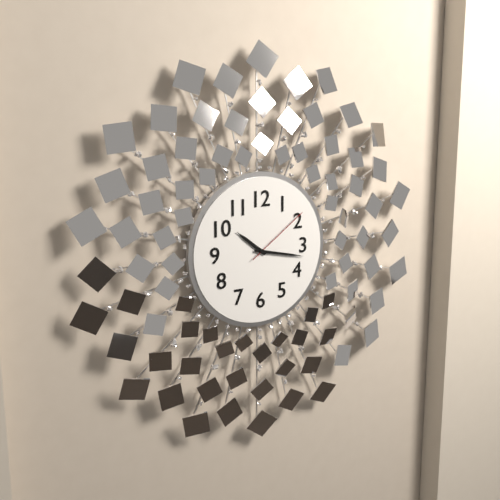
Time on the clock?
10:17:09
